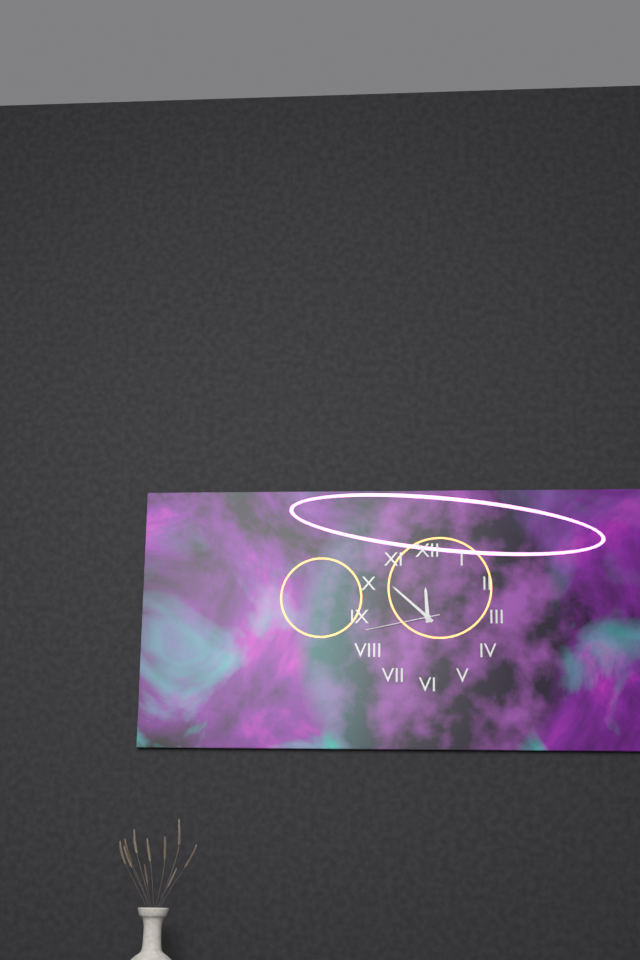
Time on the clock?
11:52:43
